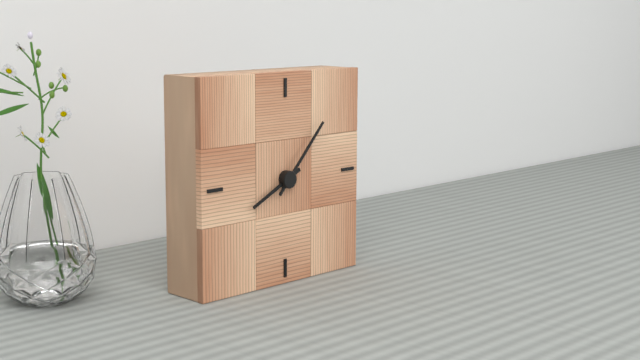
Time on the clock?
8:07
